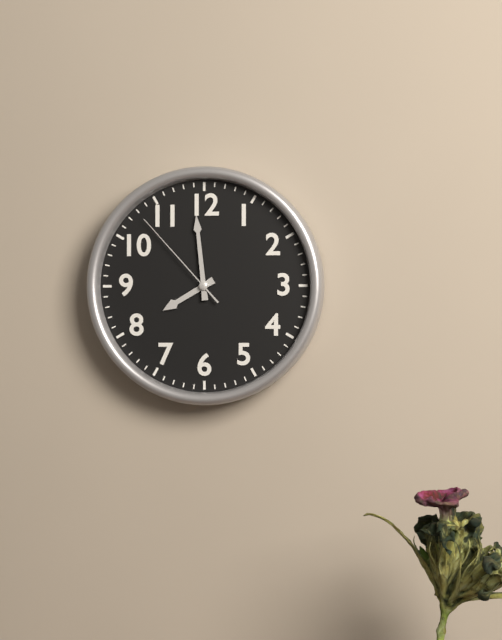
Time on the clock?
7:59:53
